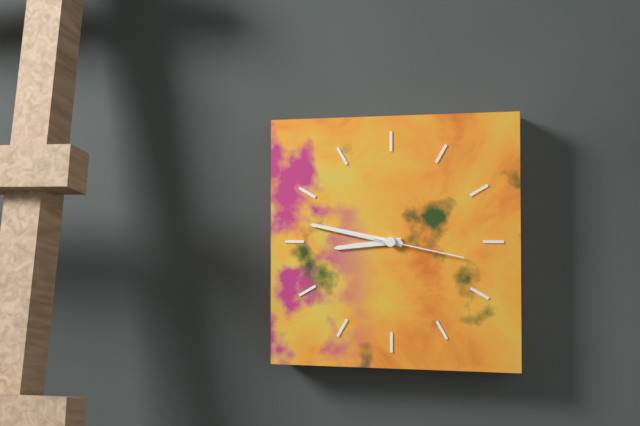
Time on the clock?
8:47:17
